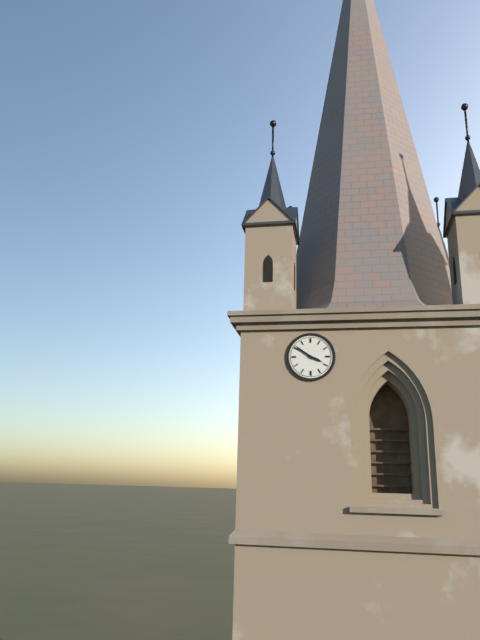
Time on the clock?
3:51
